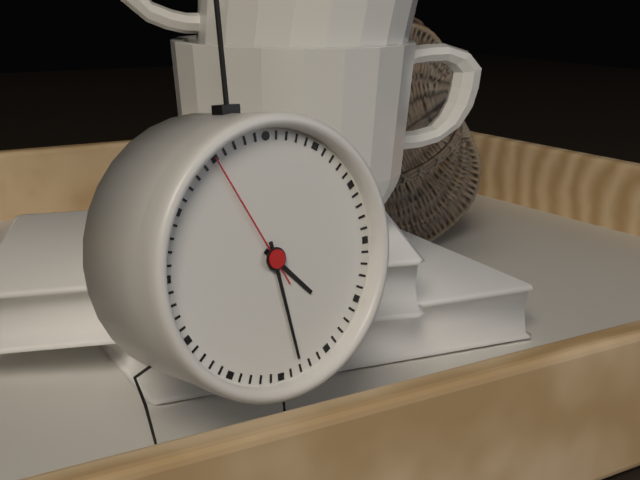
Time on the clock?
4:28:55
